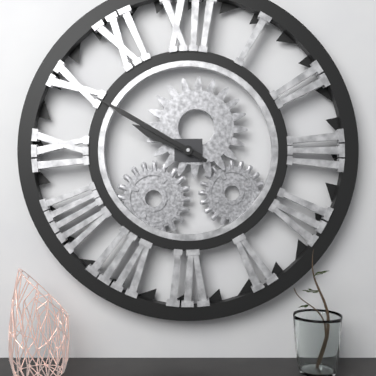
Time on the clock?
9:50
